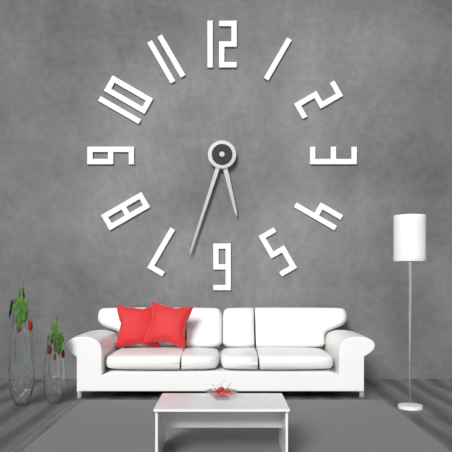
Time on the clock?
5:33
